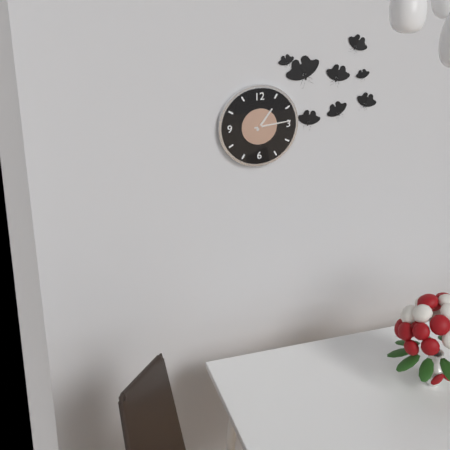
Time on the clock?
1:14
